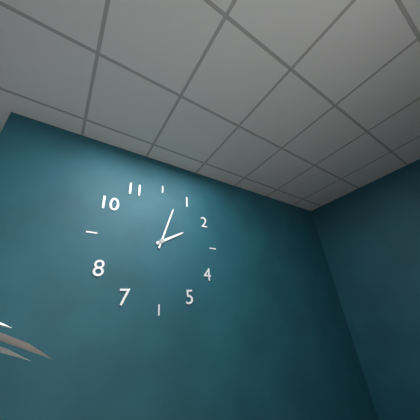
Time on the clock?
2:03
